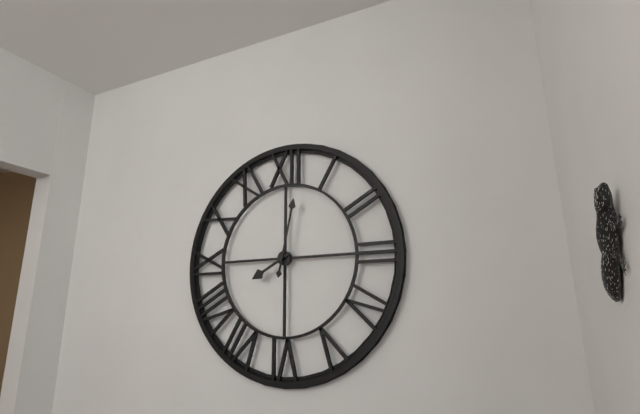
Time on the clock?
8:02
